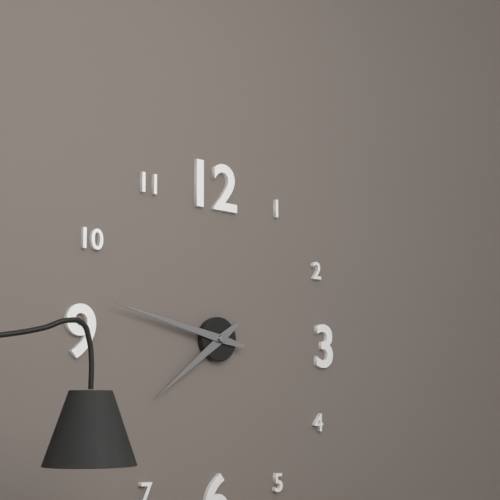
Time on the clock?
7:47
